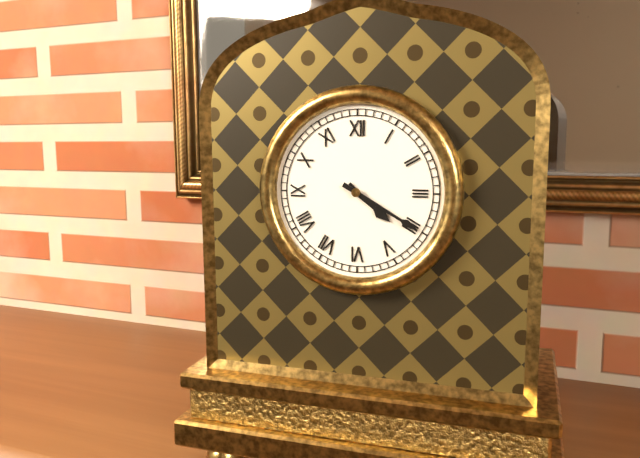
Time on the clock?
4:20
